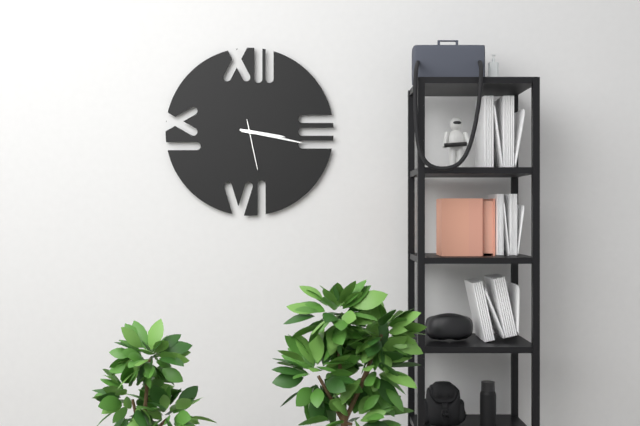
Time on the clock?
3:17
